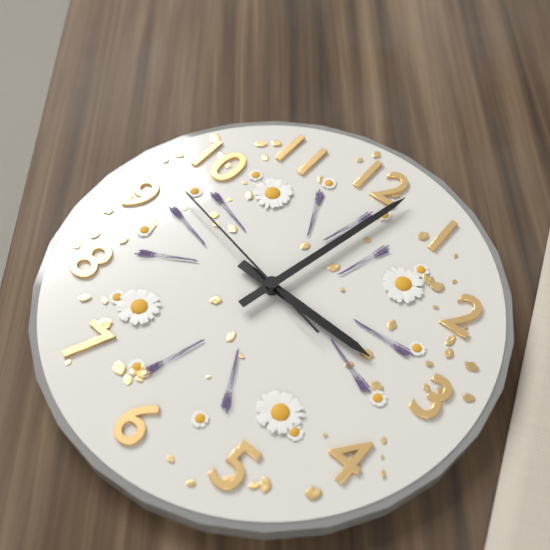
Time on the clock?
3:02:47
